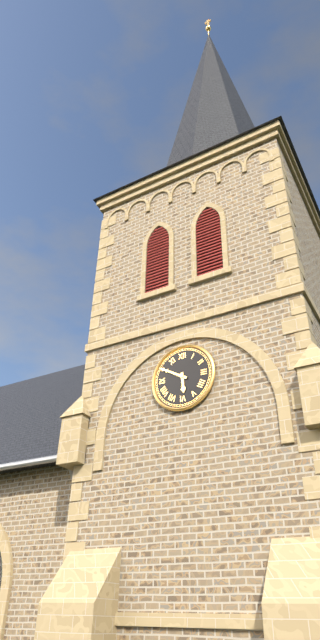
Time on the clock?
5:50
